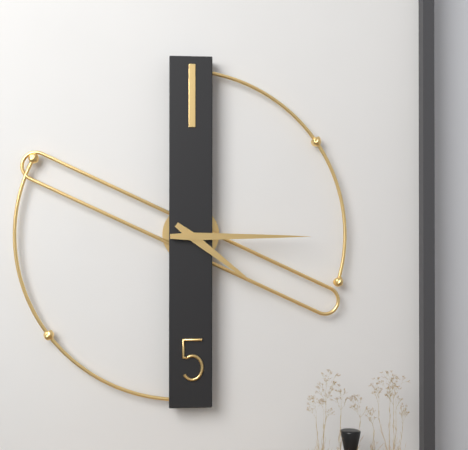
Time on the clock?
4:15
